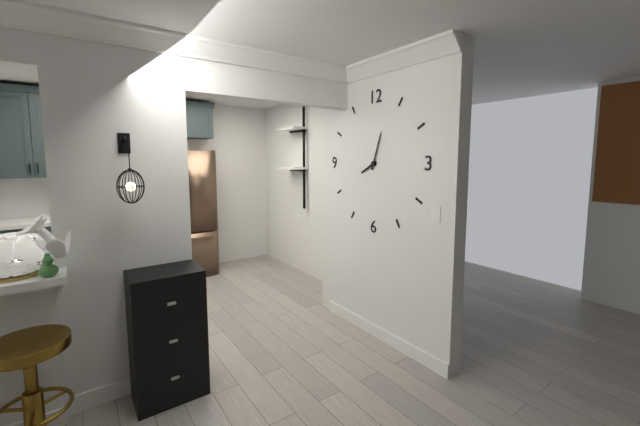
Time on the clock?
8:03
